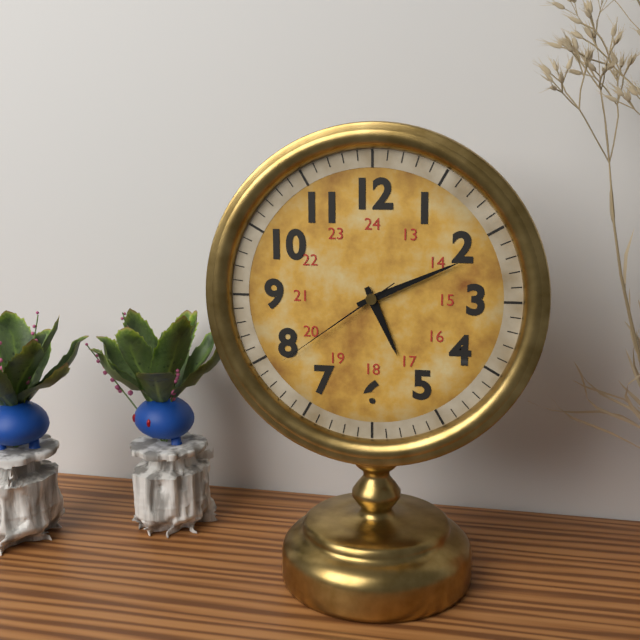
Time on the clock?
5:11:39
